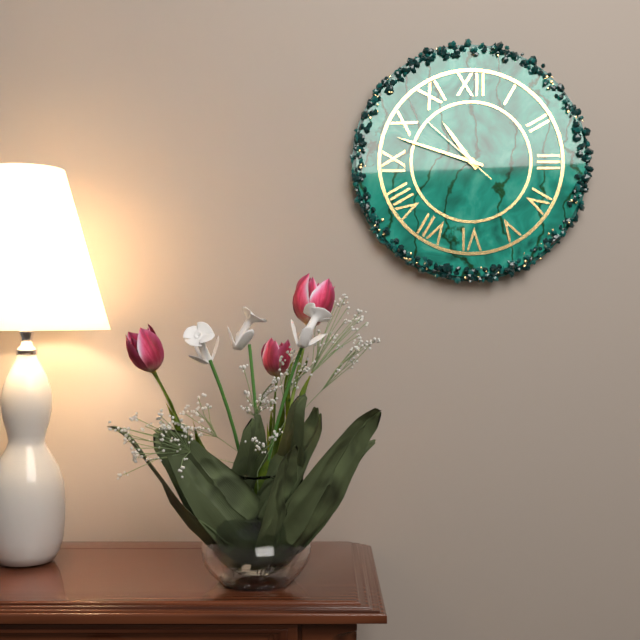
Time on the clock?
10:48:52
